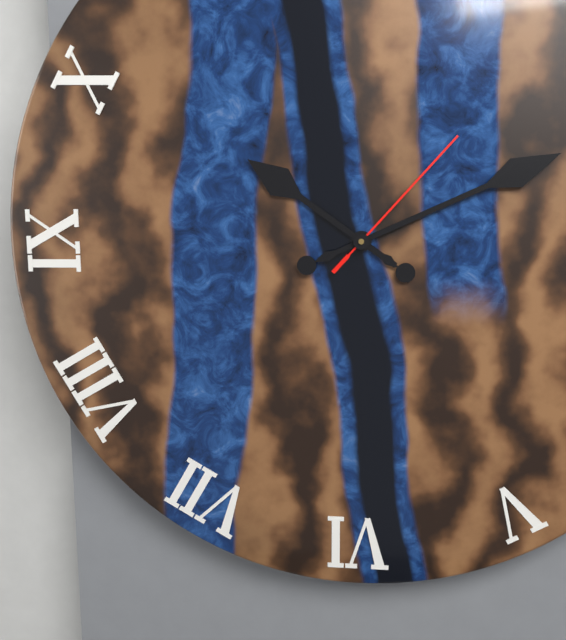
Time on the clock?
10:11:07
